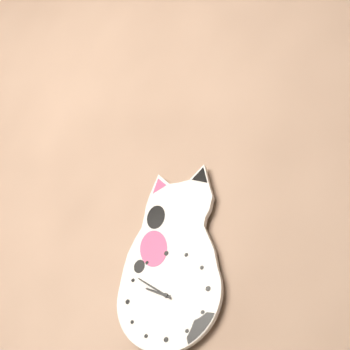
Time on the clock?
9:51
